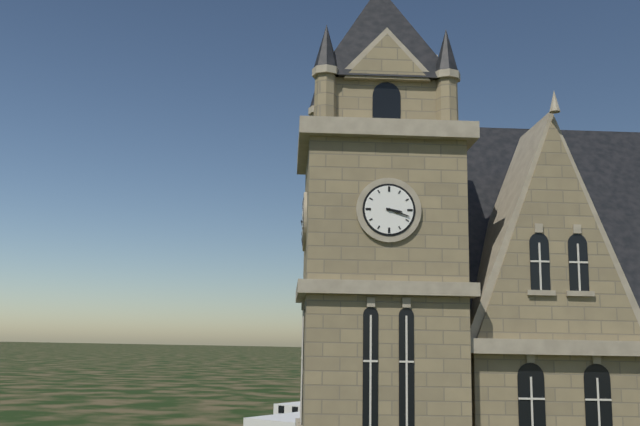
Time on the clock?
3:18
